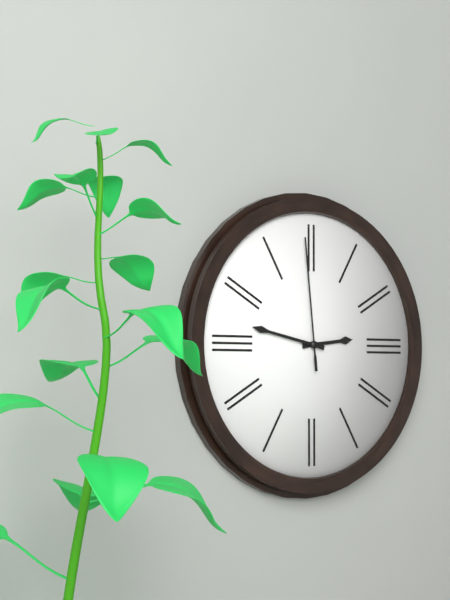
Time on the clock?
2:47:59
